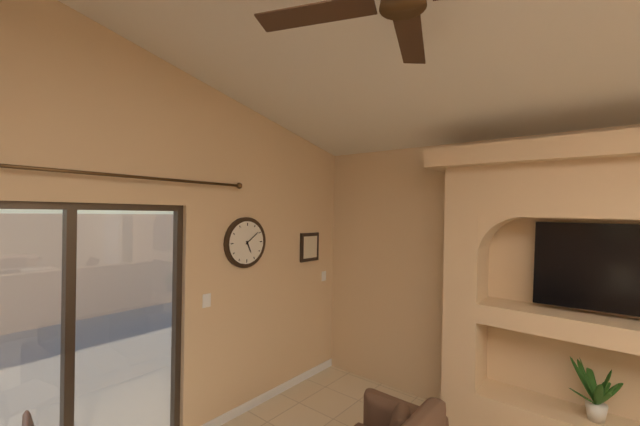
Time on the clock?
5:09
